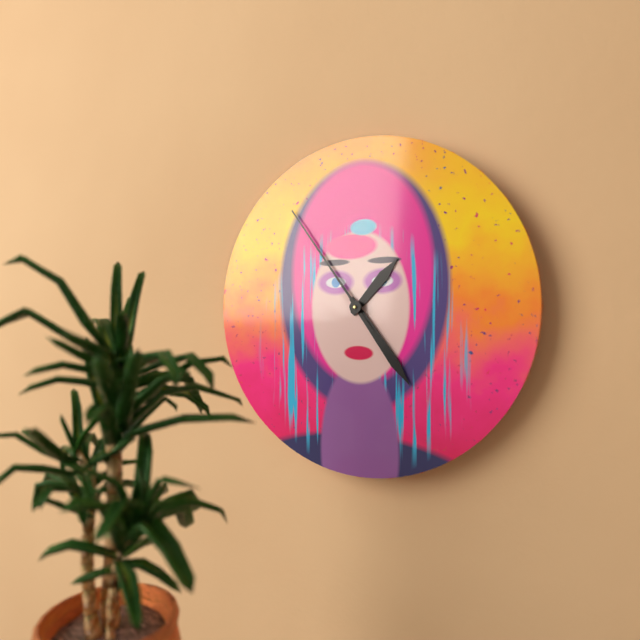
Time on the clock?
1:24:54
